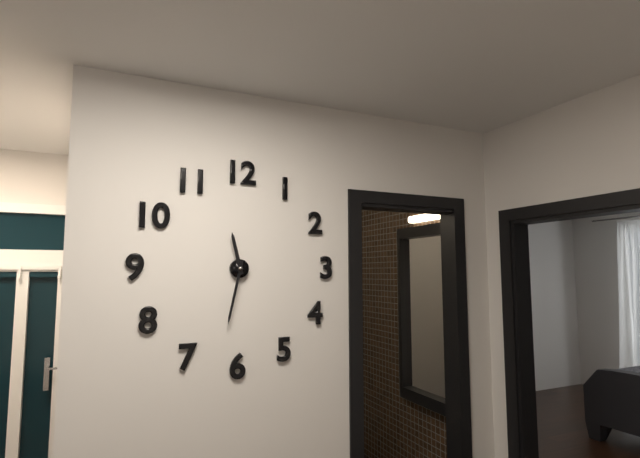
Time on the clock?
11:32
